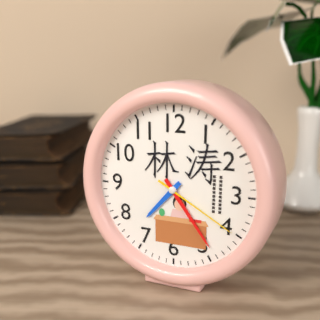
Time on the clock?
7:24:20
